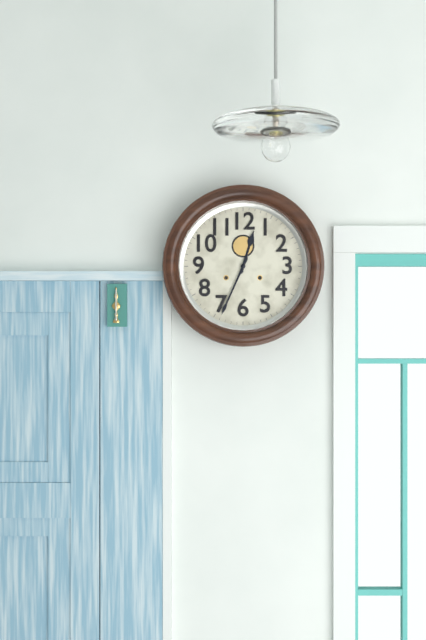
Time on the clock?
12:34
